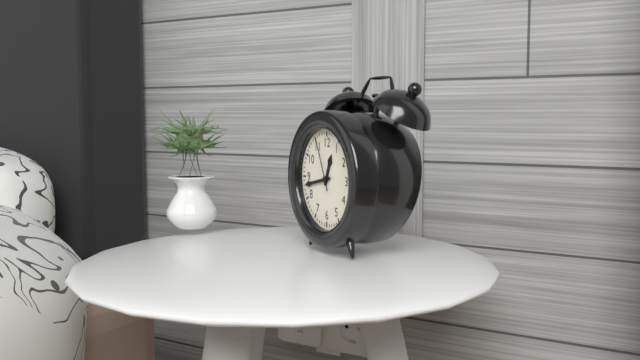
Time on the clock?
12:43:56
